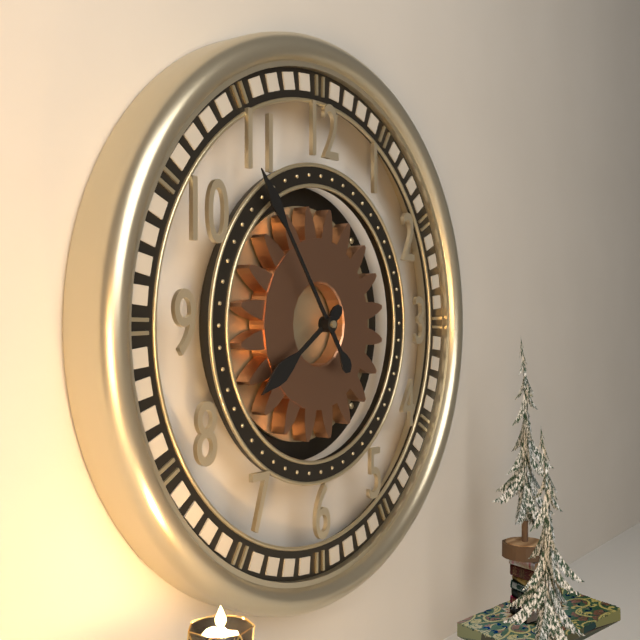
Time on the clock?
7:54
